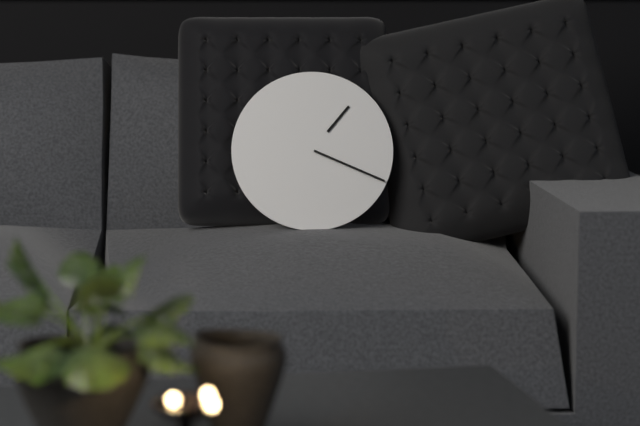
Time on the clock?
1:19
